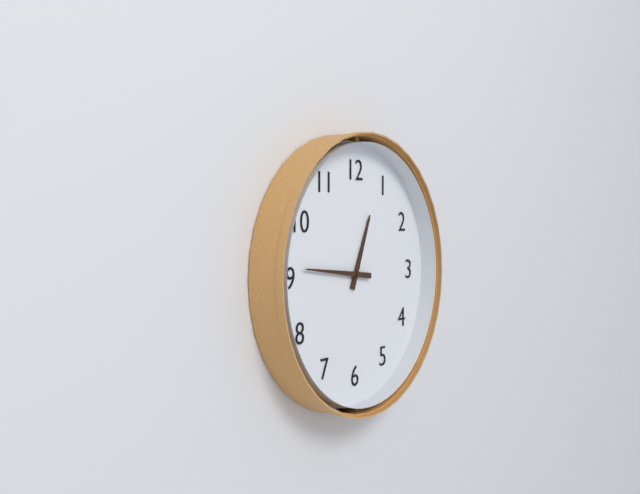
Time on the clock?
12:46
